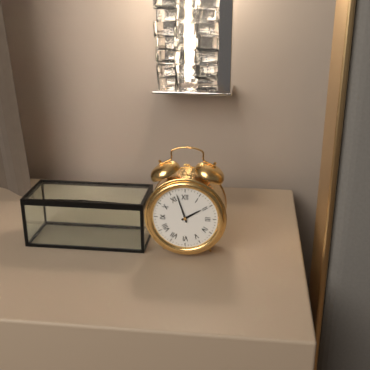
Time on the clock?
1:57
